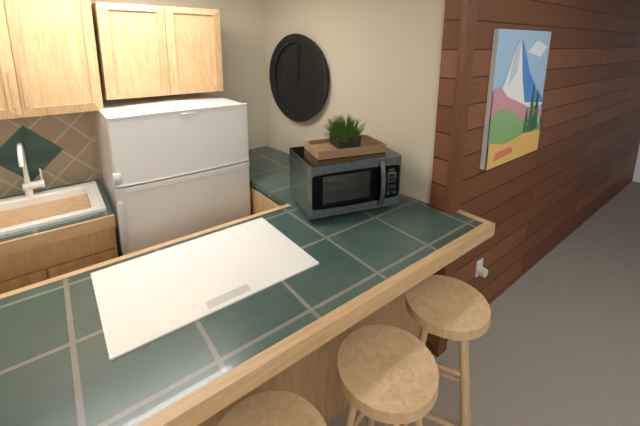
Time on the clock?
8:01
